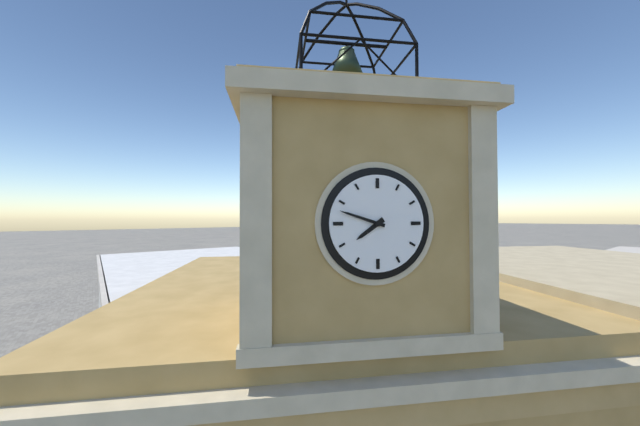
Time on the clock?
7:48
